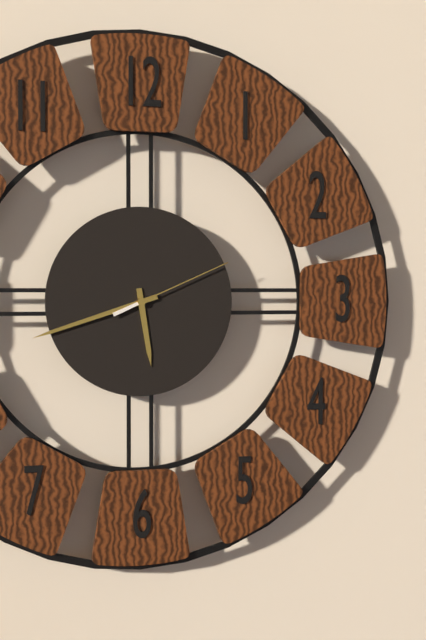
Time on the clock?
5:42:11
